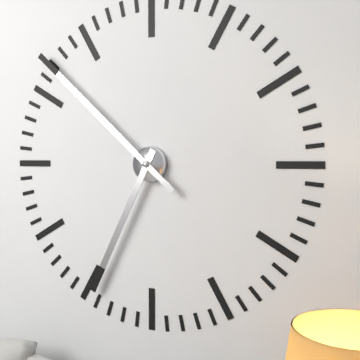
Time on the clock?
6:52
